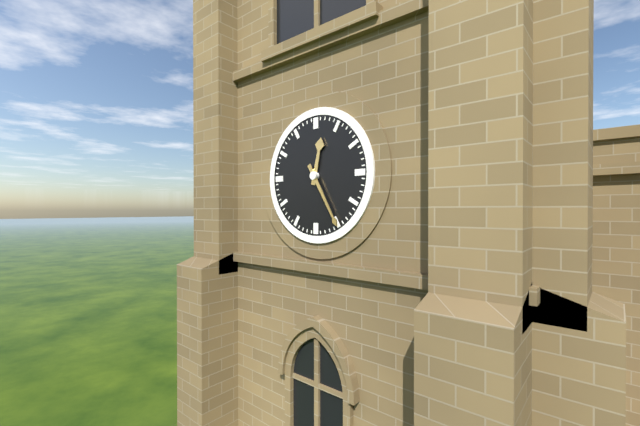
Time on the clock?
12:25
